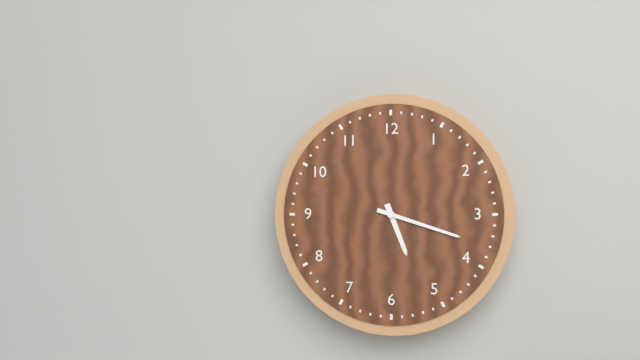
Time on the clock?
5:18
